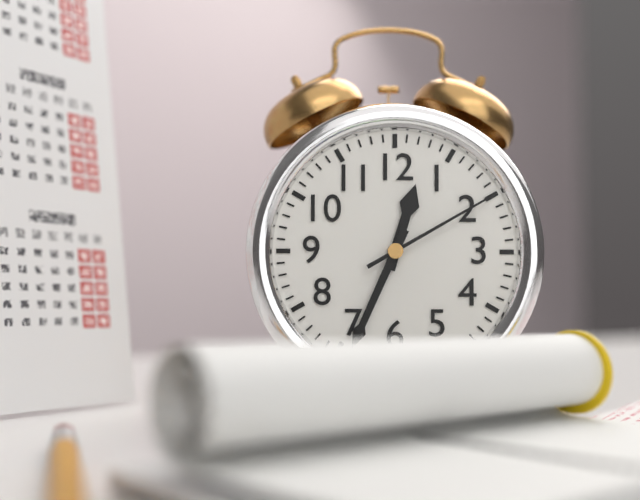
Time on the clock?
12:34:10
